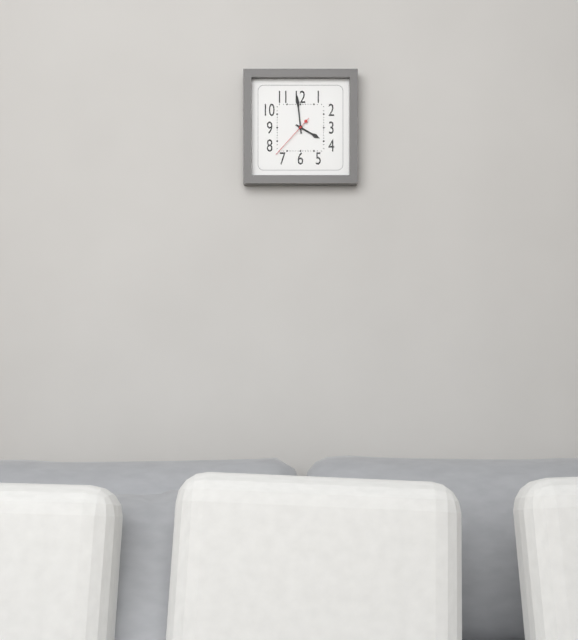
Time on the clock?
3:59
